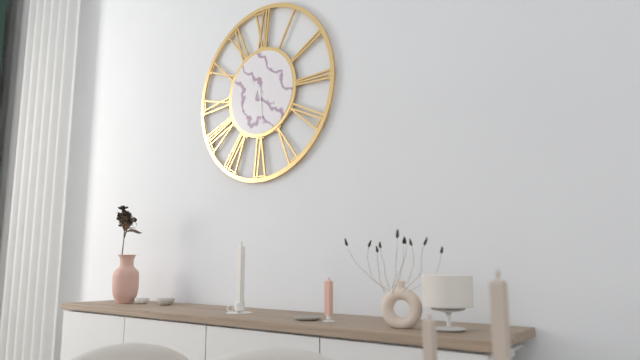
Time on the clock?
10:29
